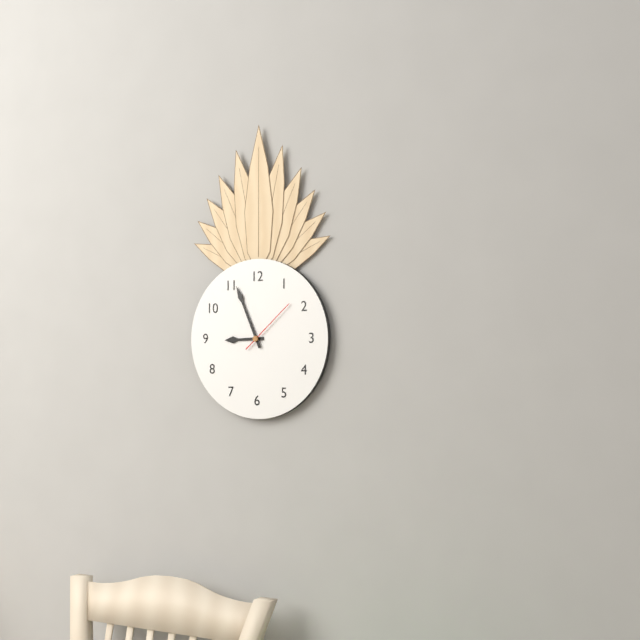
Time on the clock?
8:56:08
